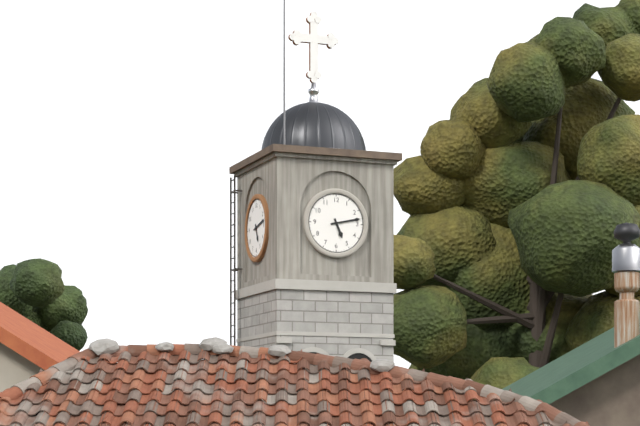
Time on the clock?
5:13
